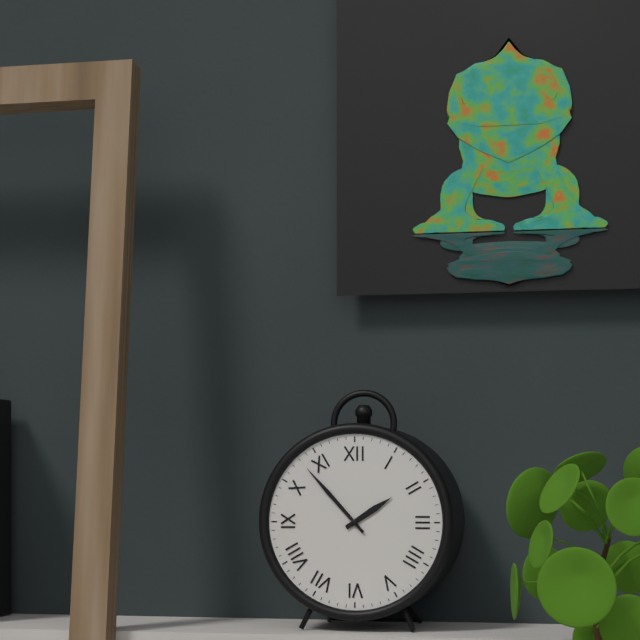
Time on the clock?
1:53
